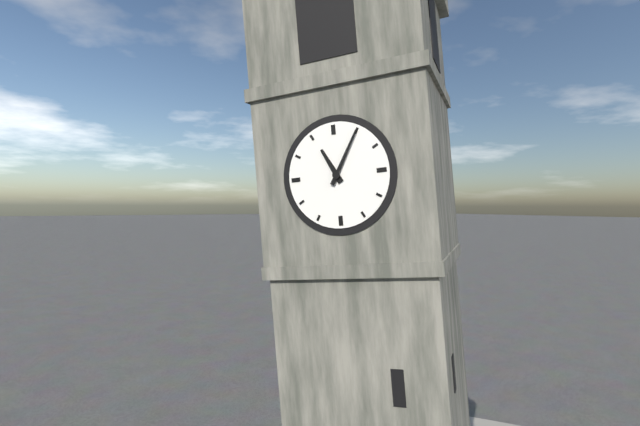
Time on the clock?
11:05
